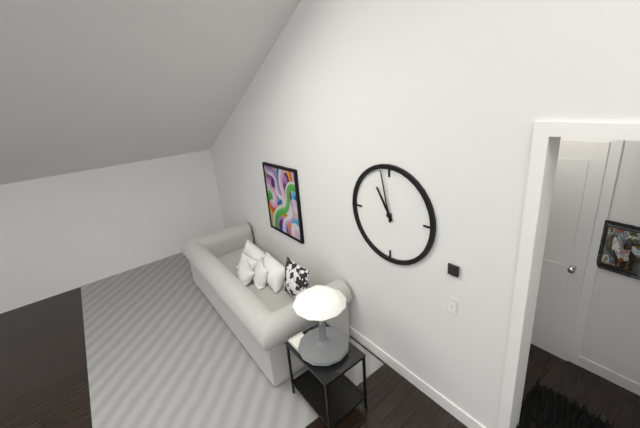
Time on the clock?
10:58
